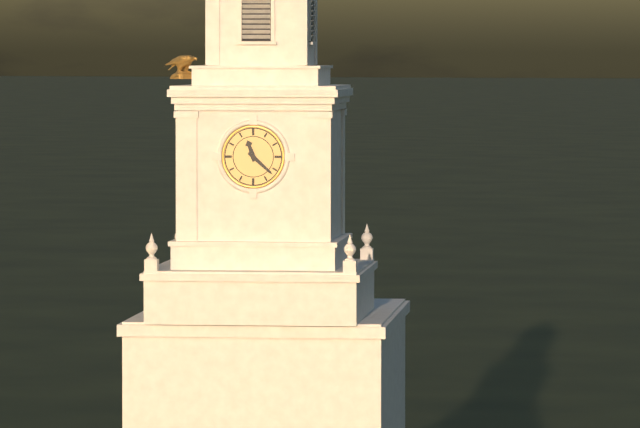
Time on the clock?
11:22
